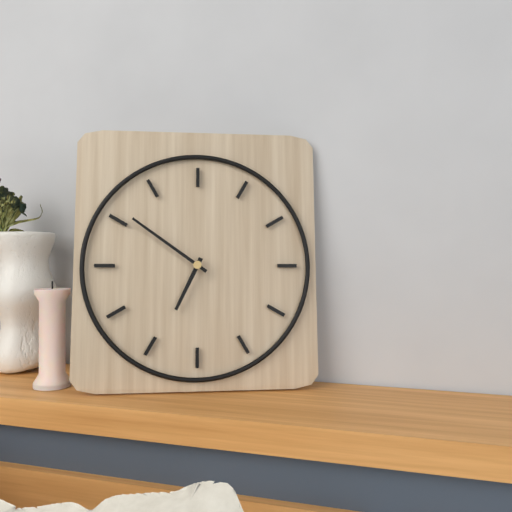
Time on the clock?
6:51
